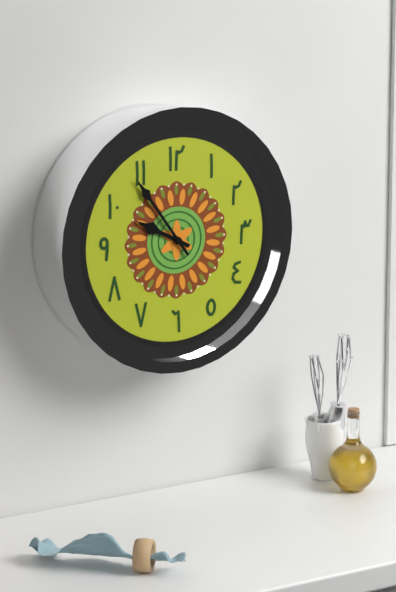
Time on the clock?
9:54
